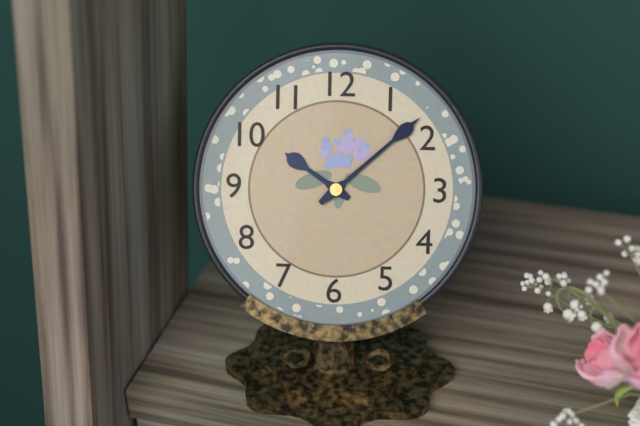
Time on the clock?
10:08
